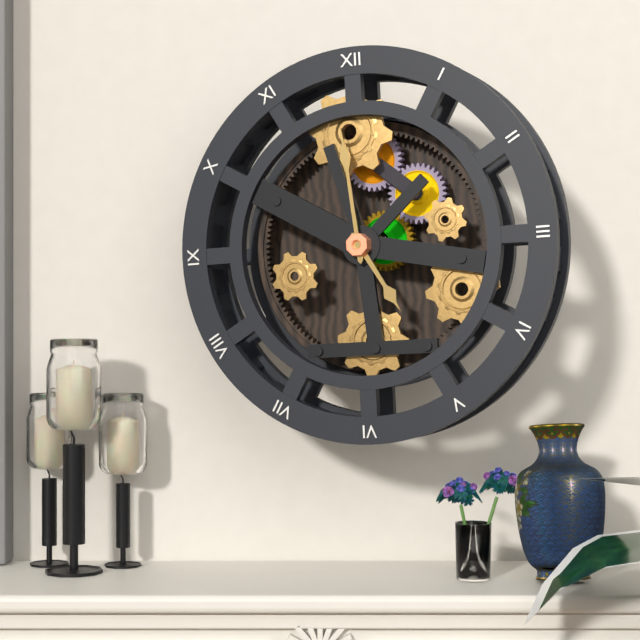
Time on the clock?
4:59
